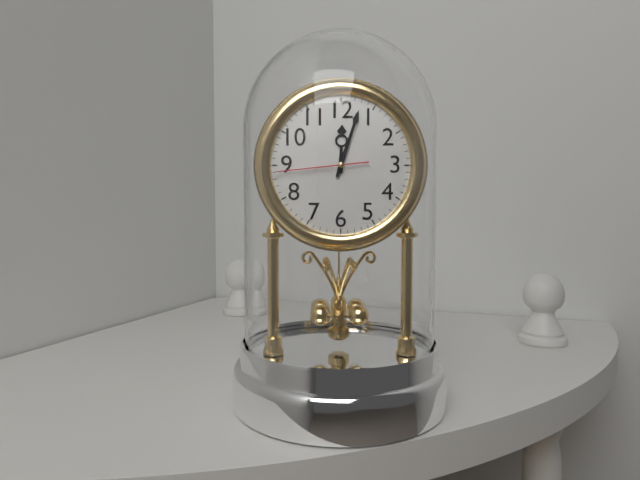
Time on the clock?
12:03:44
